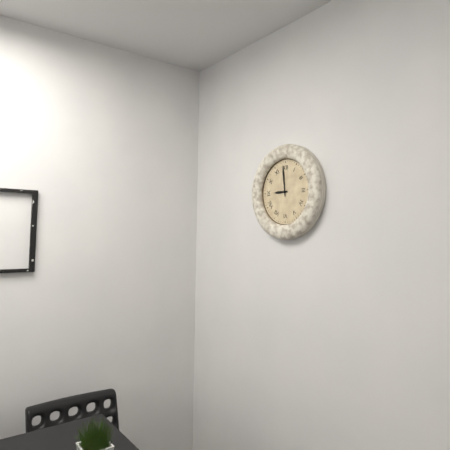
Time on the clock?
8:59
